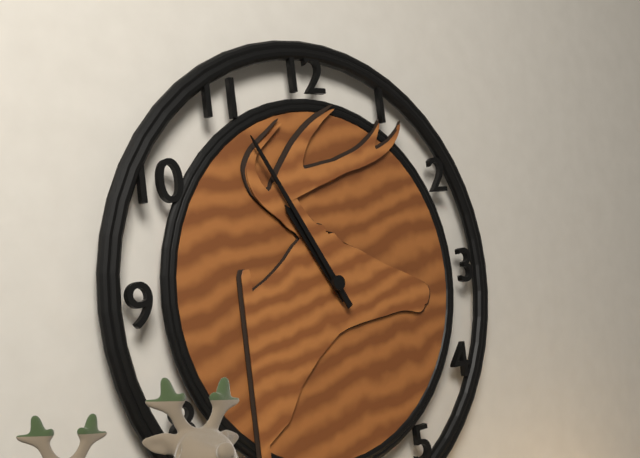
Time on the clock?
10:55
